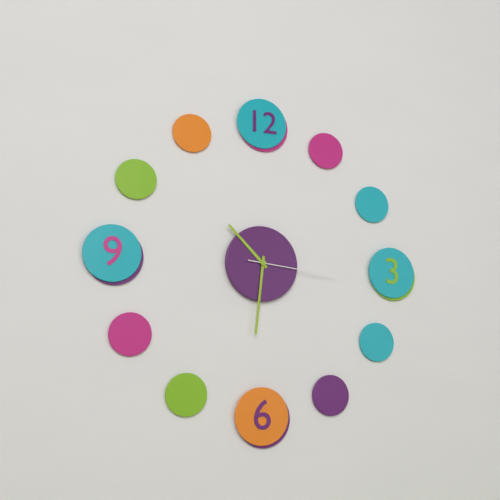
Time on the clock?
10:31:16
